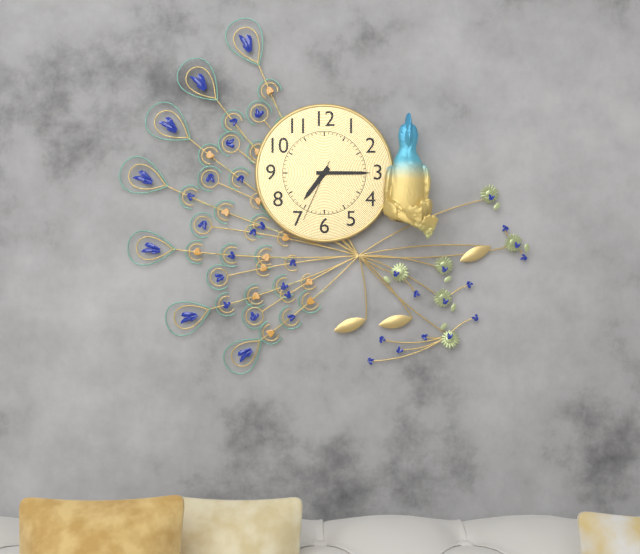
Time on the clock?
7:15:34
